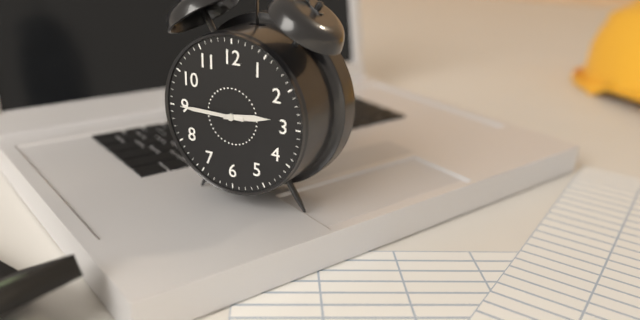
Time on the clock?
2:45
